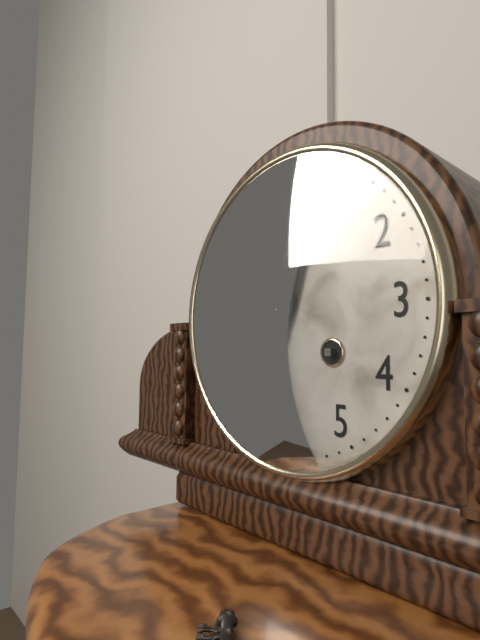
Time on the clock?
7:03
